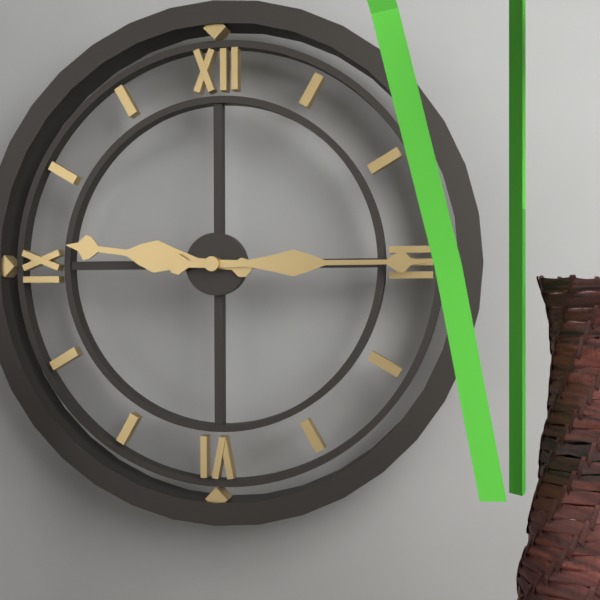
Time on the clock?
9:15
